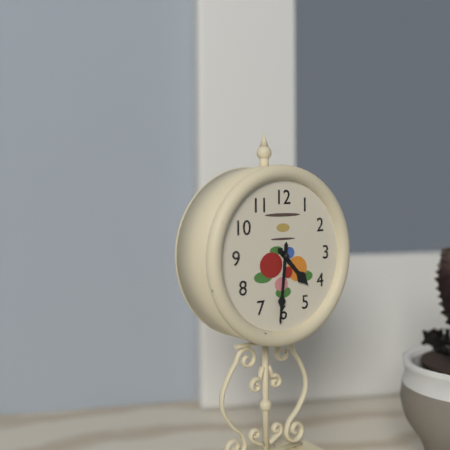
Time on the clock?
4:31
